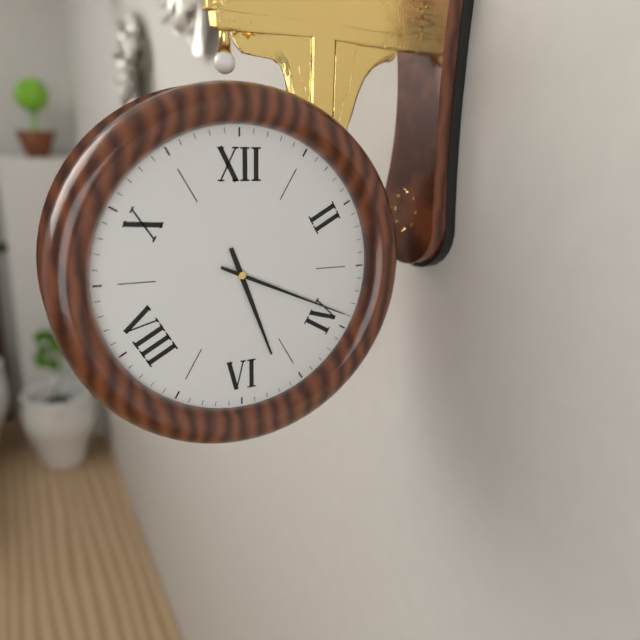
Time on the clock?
5:19
